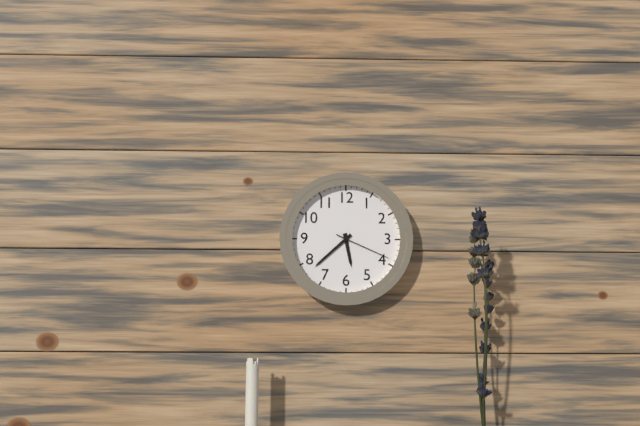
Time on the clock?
5:38:19
